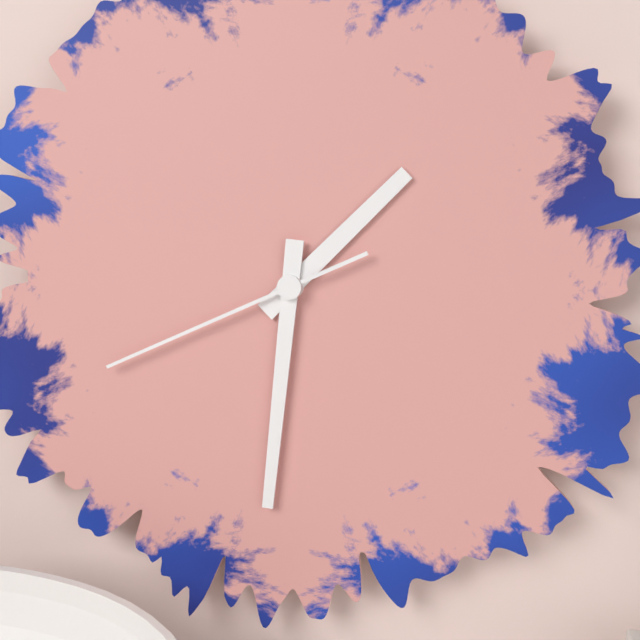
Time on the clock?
1:31:41
